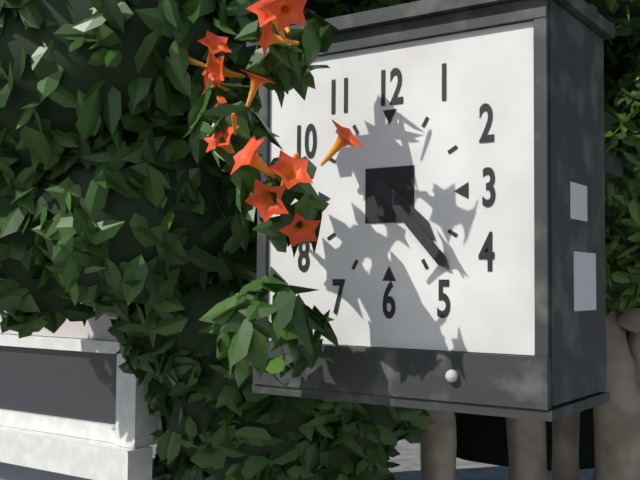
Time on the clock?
4:23
